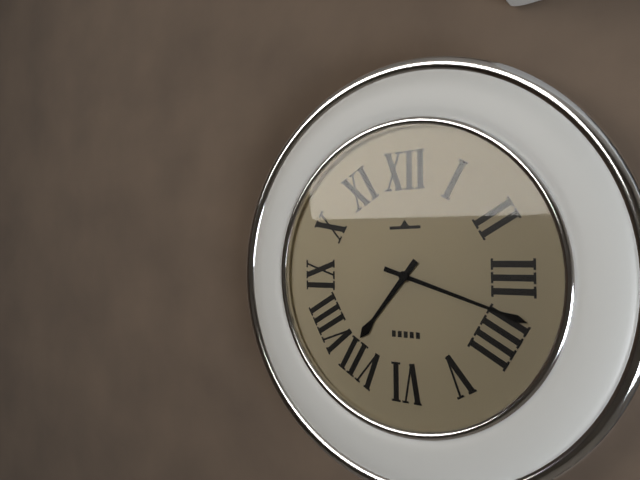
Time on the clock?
7:18
